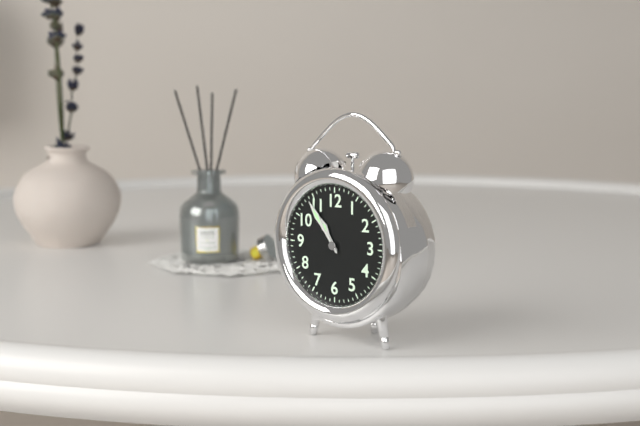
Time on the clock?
10:54
